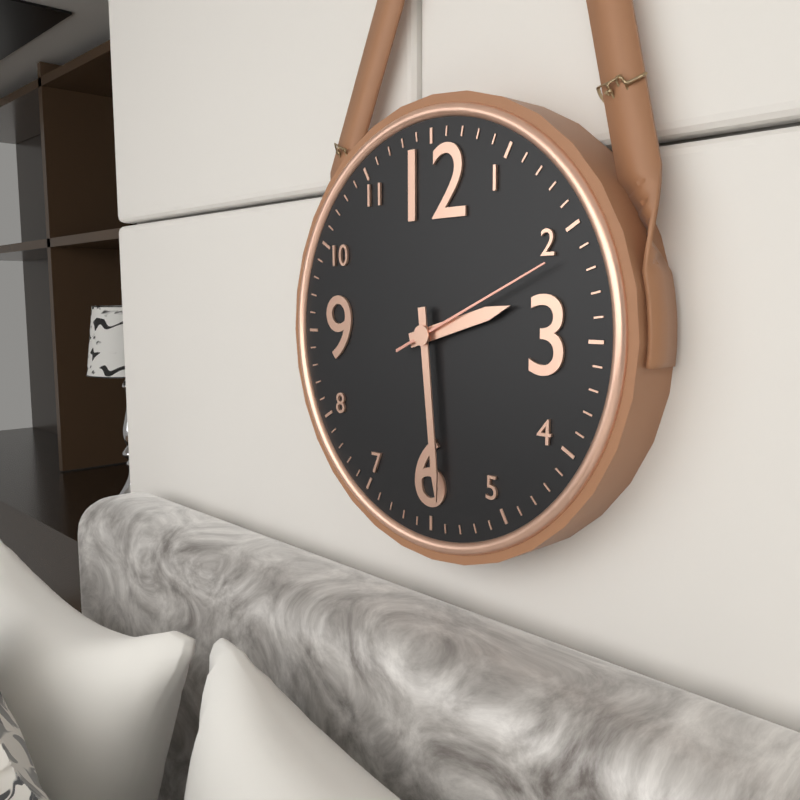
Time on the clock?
2:29:11
